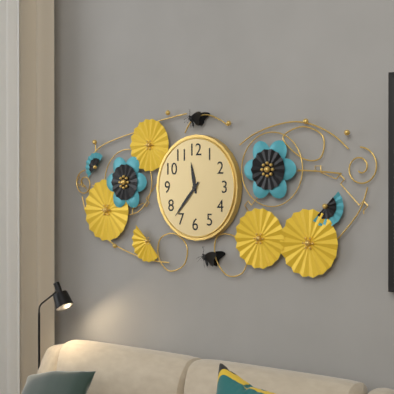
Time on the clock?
11:37
